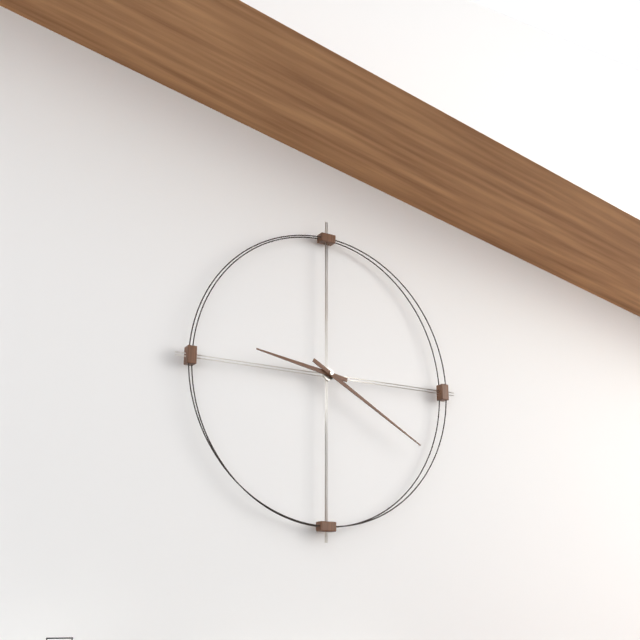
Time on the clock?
9:20
